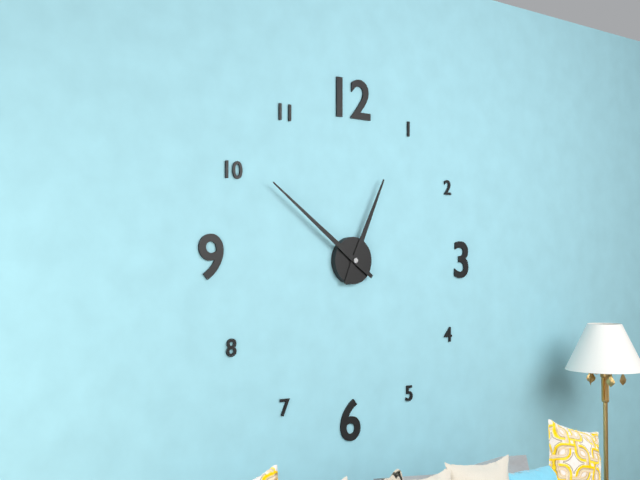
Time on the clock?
12:51
